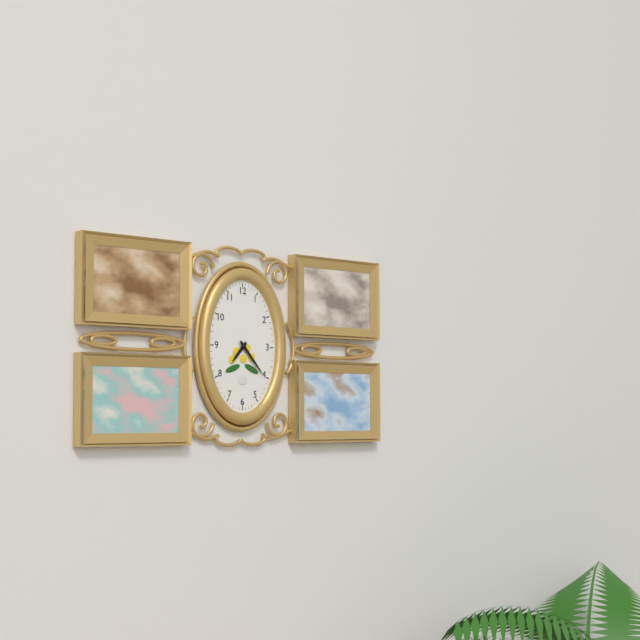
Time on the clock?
7:23
